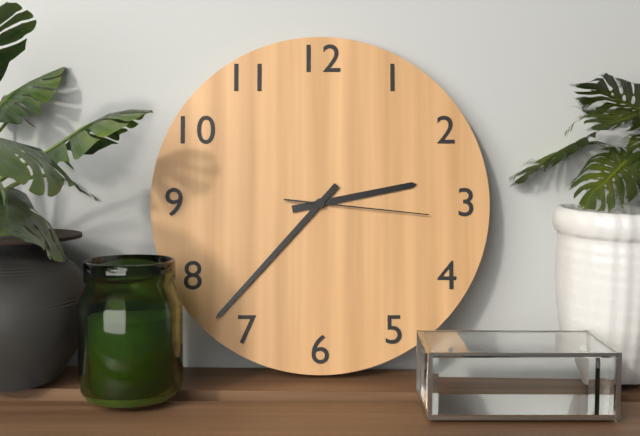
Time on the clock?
2:37:16
